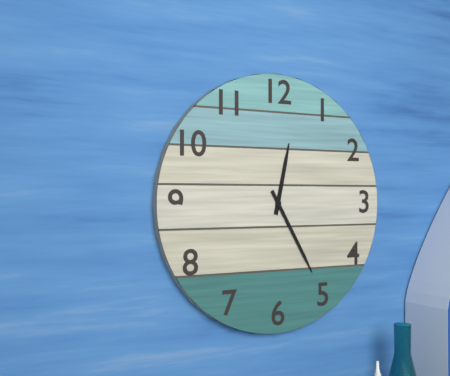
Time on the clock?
12:25
